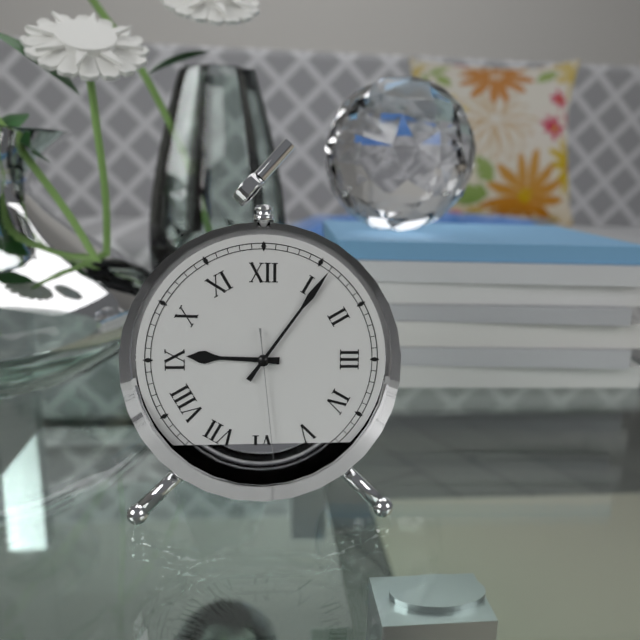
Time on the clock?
9:06:29
